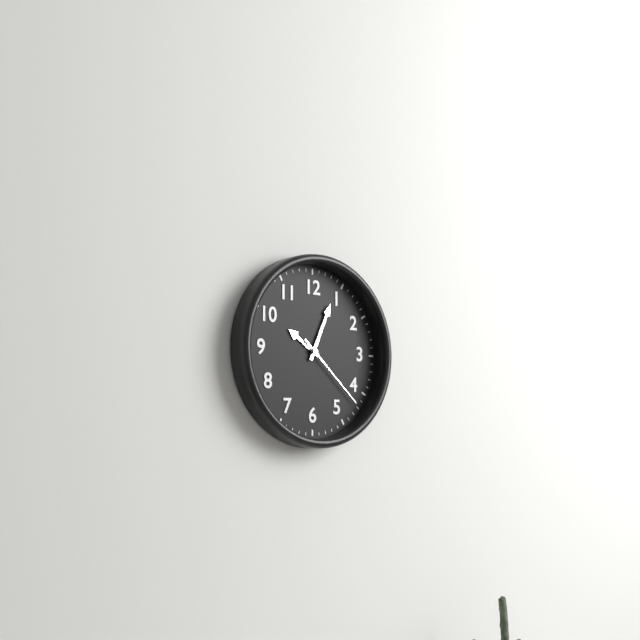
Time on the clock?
10:04:22
